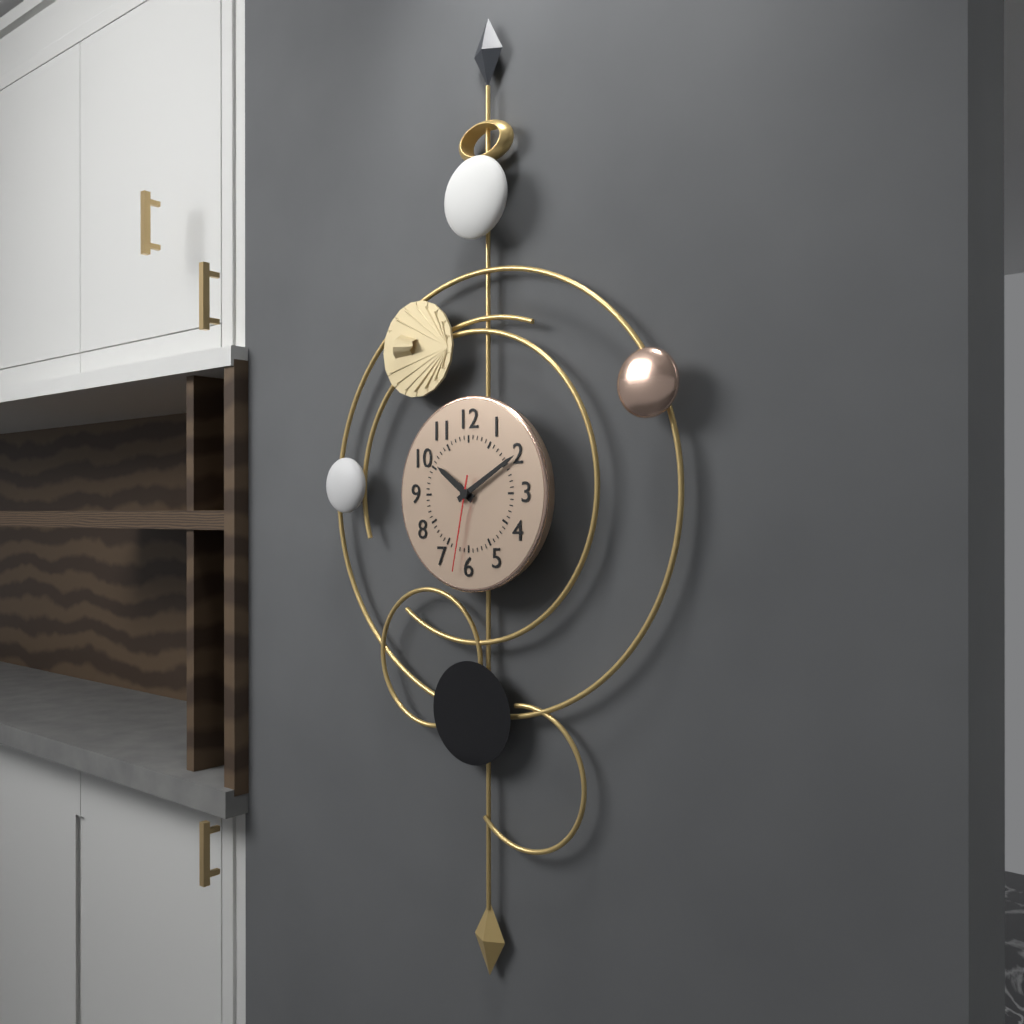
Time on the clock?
10:10:32
